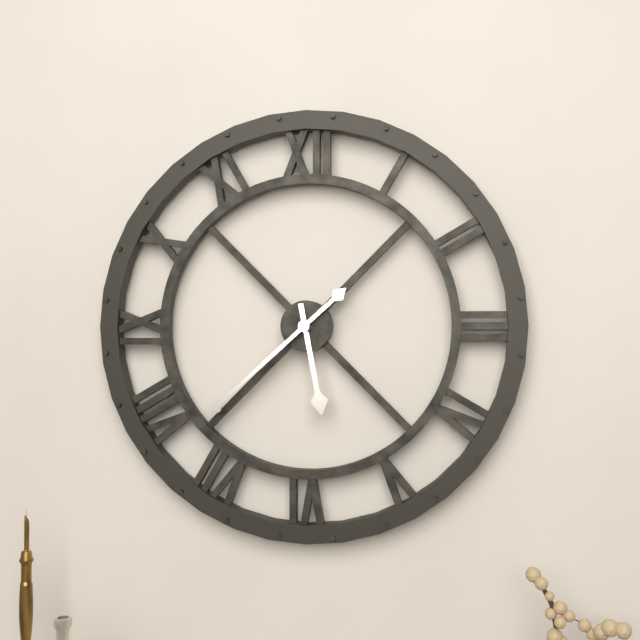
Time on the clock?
5:38
